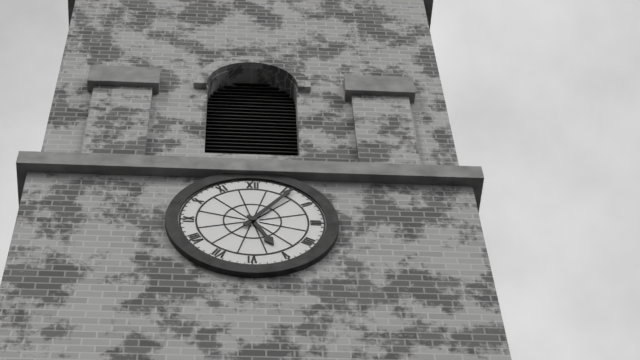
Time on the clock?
5:06
